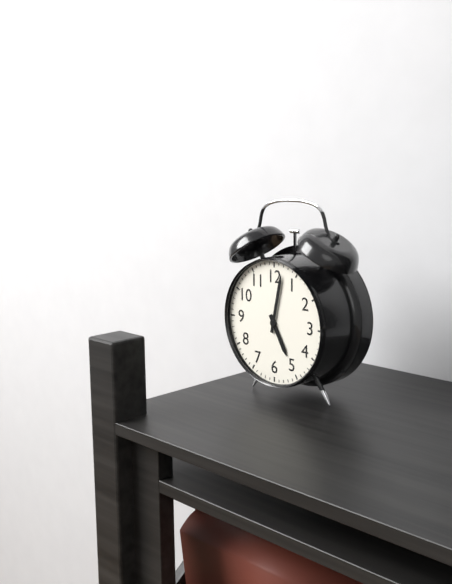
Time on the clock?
5:02
